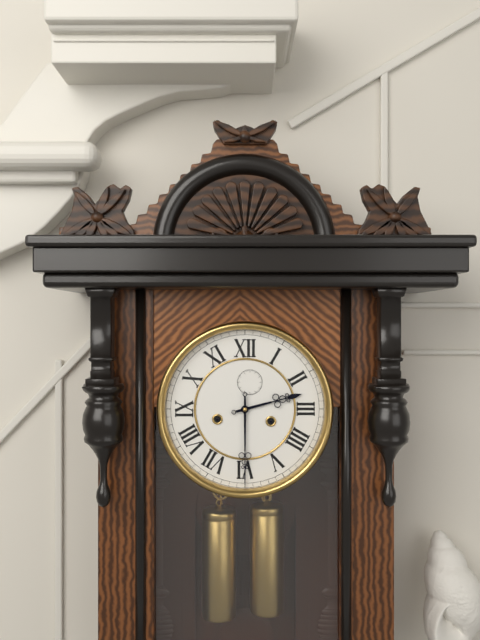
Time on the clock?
2:30
